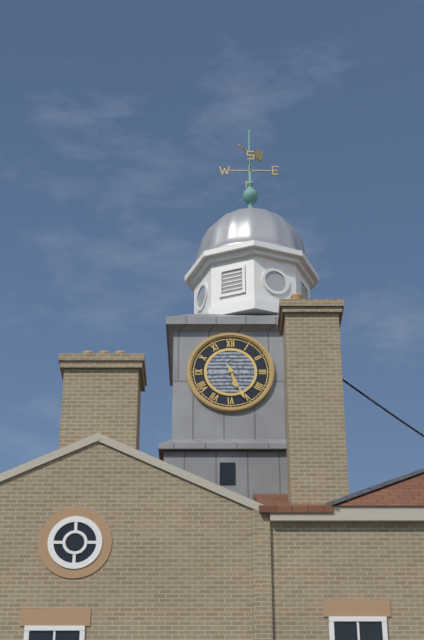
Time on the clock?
5:26
